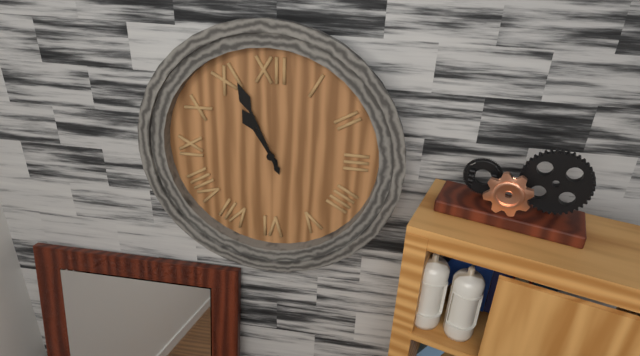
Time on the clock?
10:56
